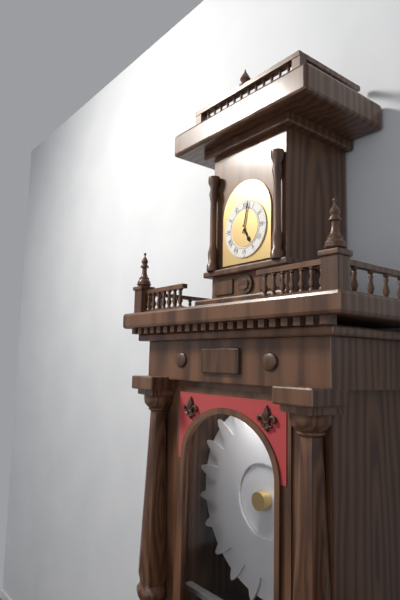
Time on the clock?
5:02
